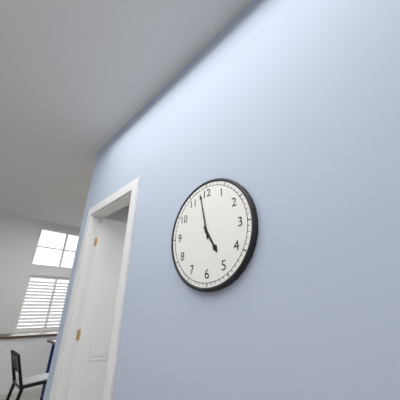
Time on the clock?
4:58
